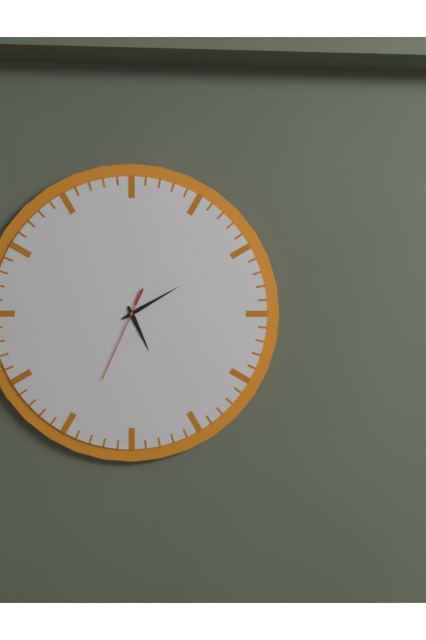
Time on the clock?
5:10:34
